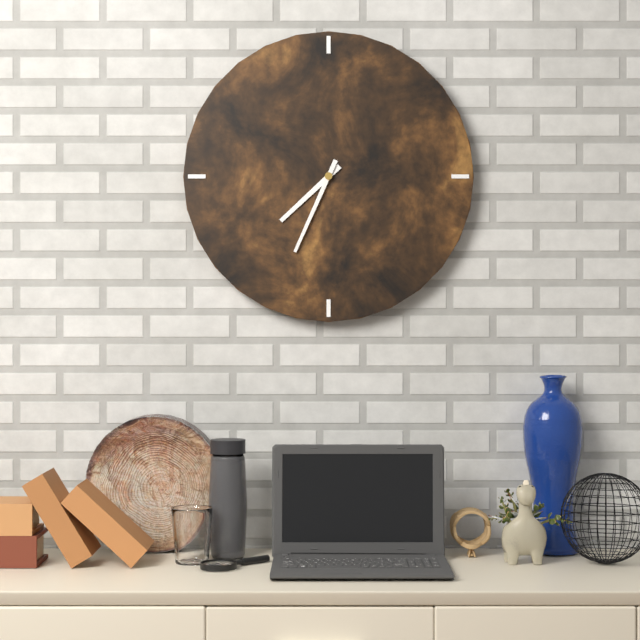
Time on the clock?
7:34
